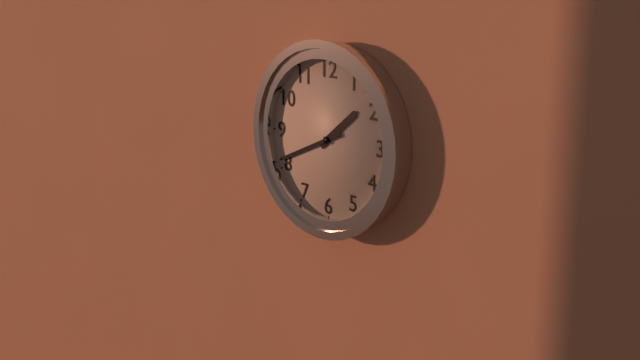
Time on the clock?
1:41
